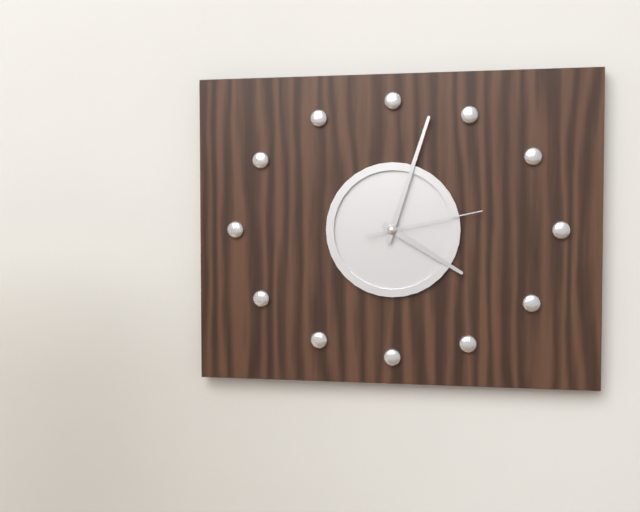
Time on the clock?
4:03:13
